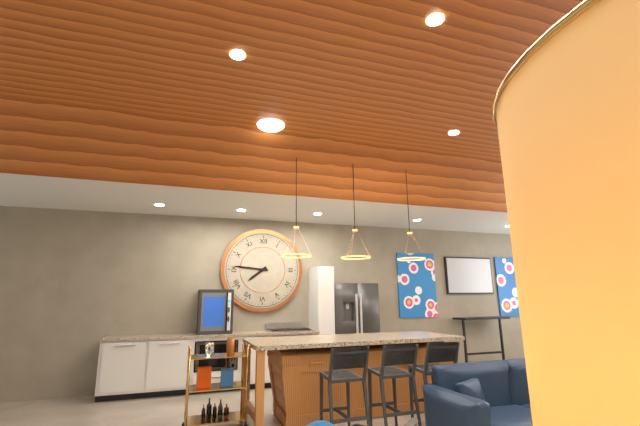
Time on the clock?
7:46
